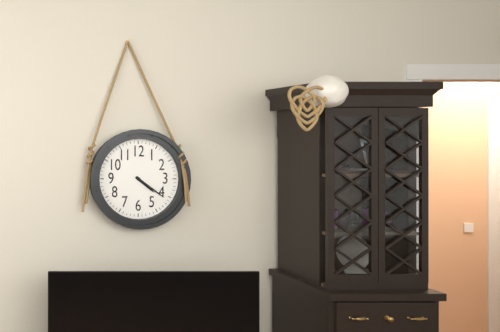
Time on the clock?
4:21
